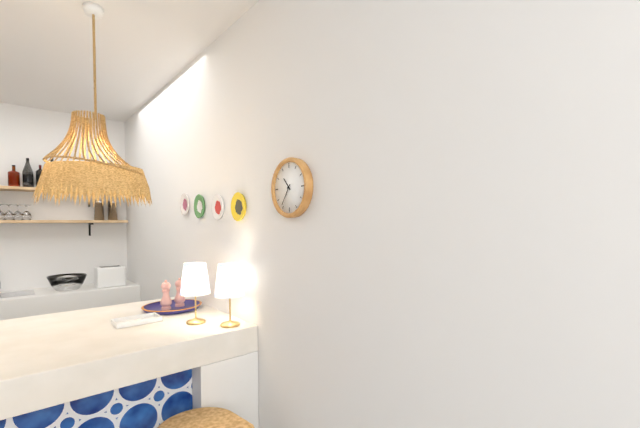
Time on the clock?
10:36
